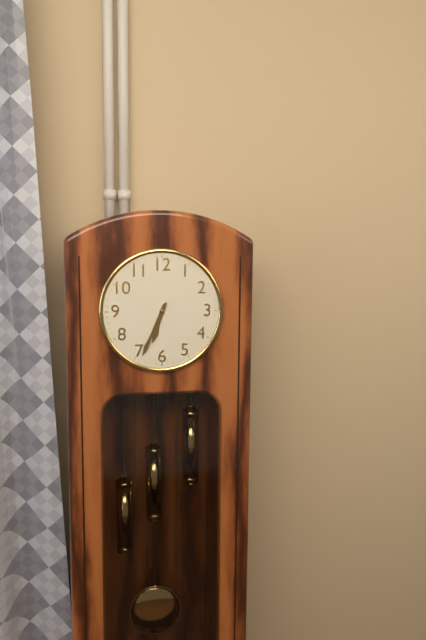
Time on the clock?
6:34
